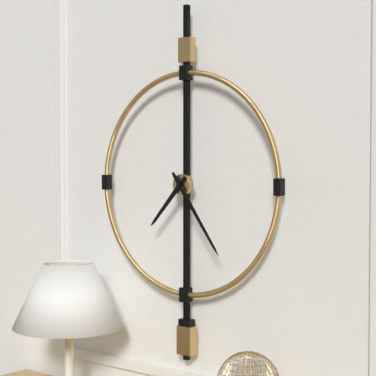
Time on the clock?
7:24
